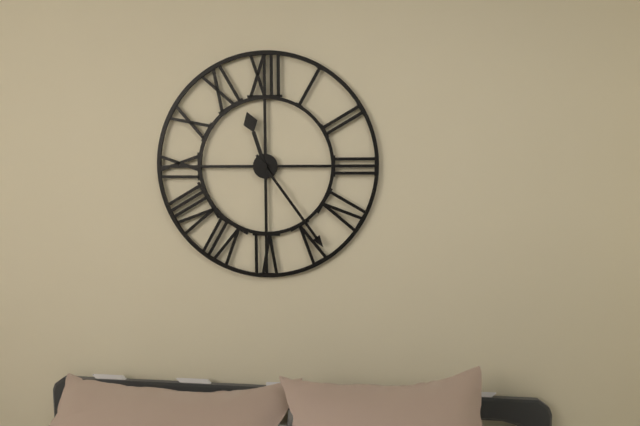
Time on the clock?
11:24
